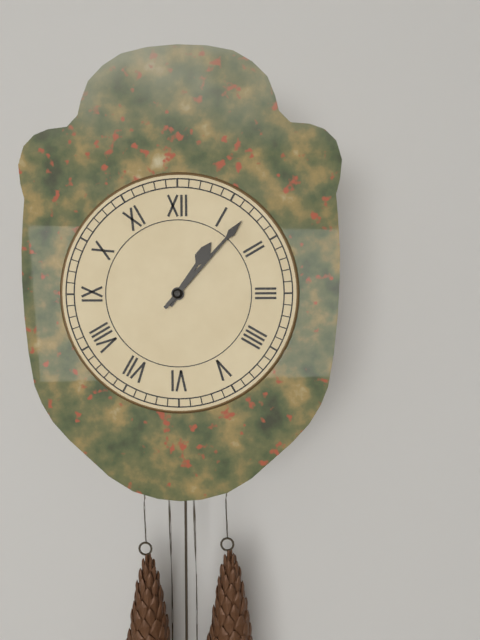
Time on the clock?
1:07
